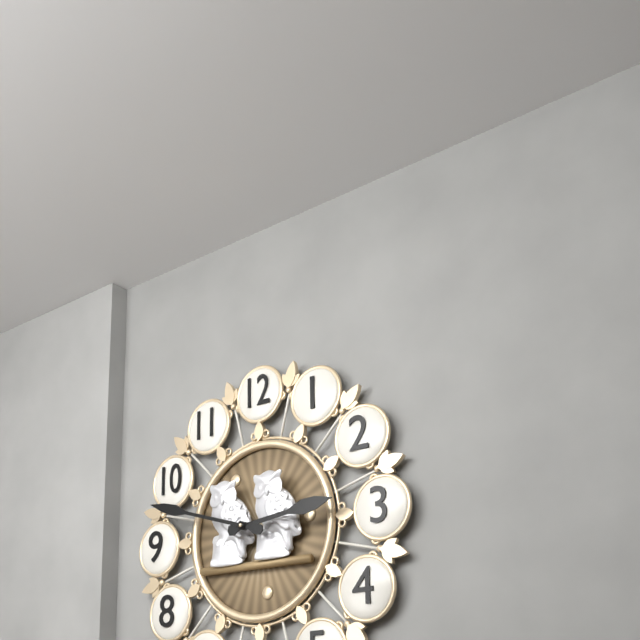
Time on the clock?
2:48
